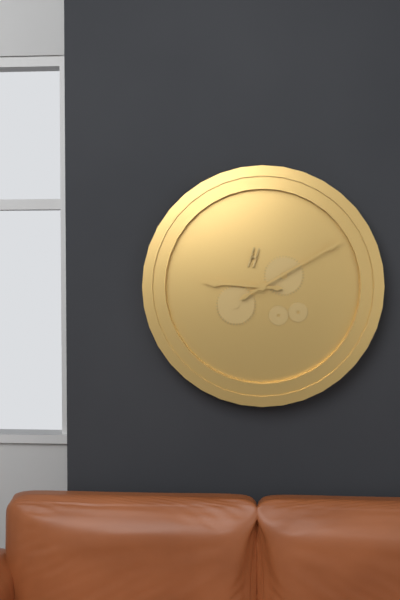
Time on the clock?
9:10
